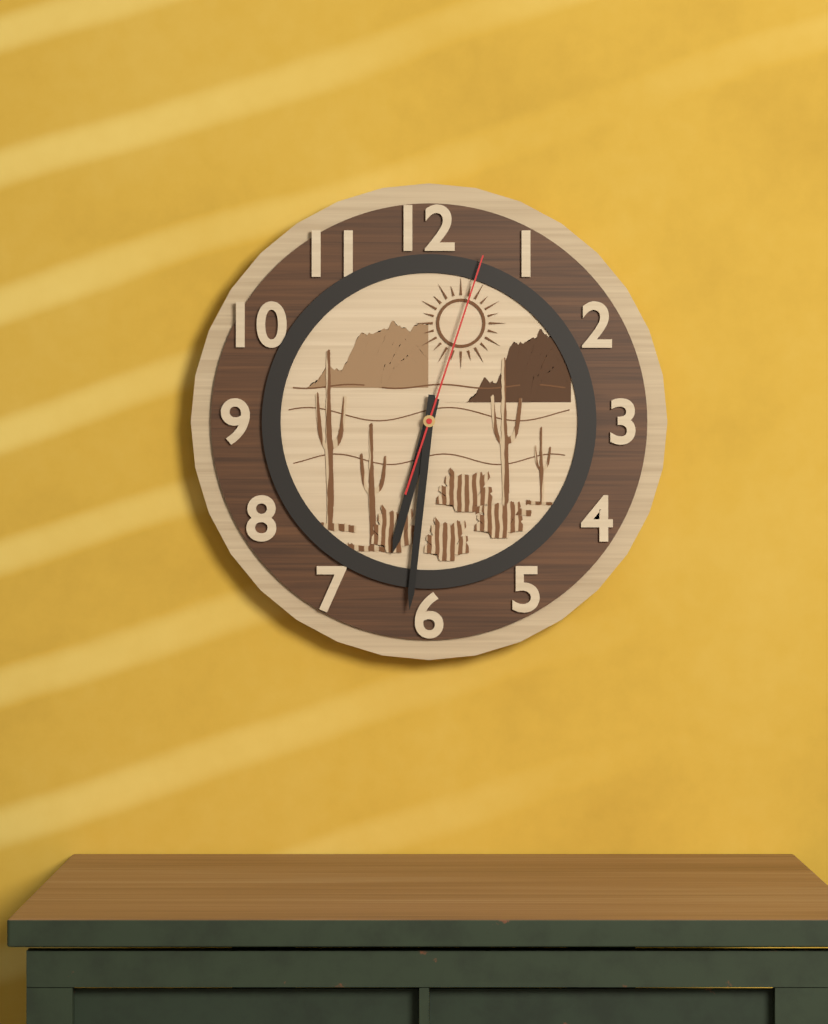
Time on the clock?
6:31:03
